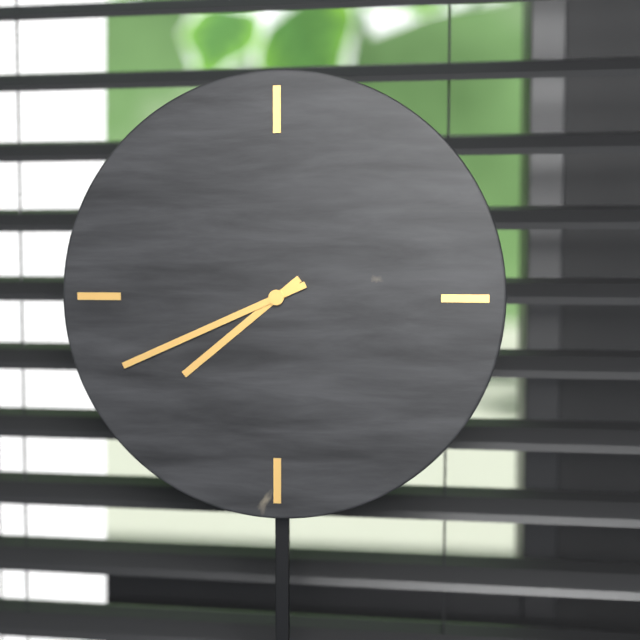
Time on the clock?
7:41
